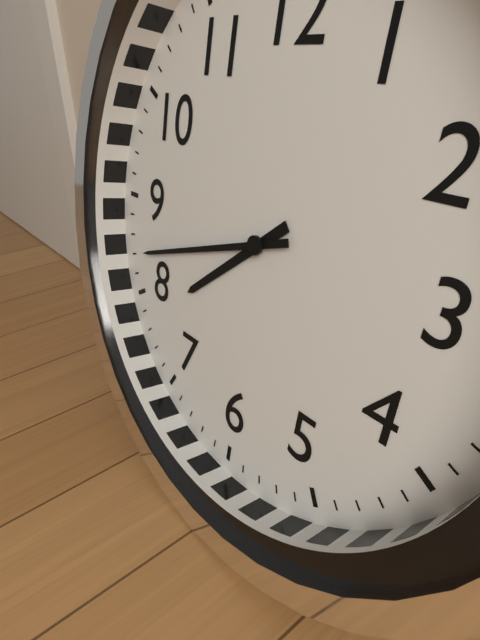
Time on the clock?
7:42
